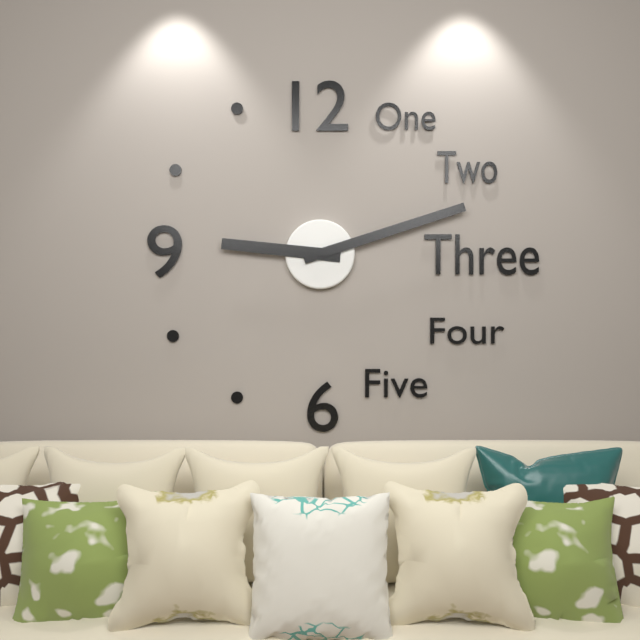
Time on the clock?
9:12
